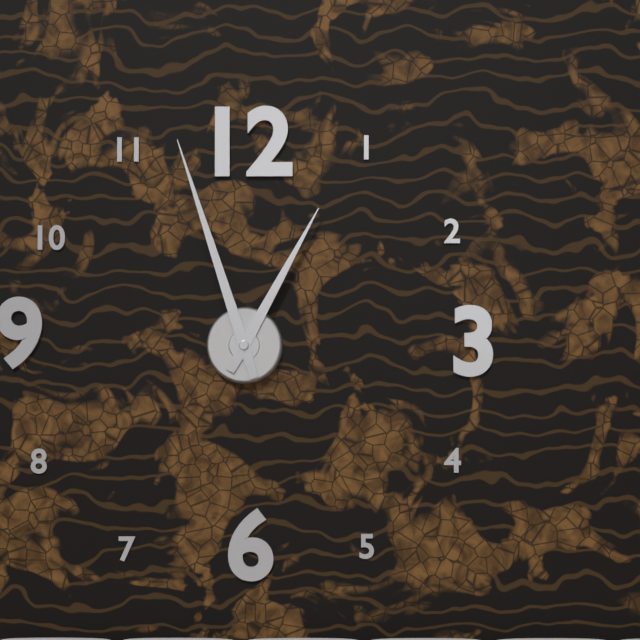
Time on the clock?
12:57
